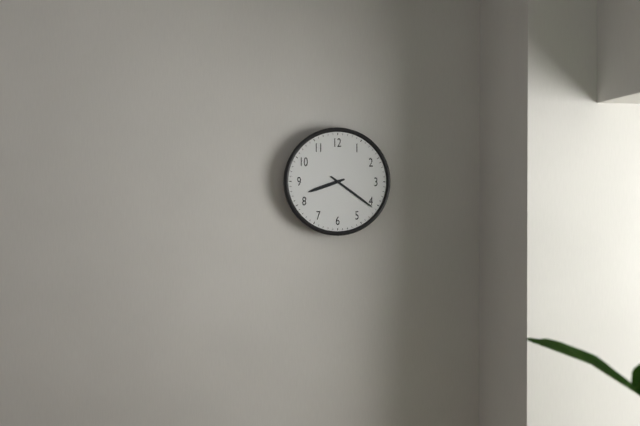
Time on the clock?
8:21
